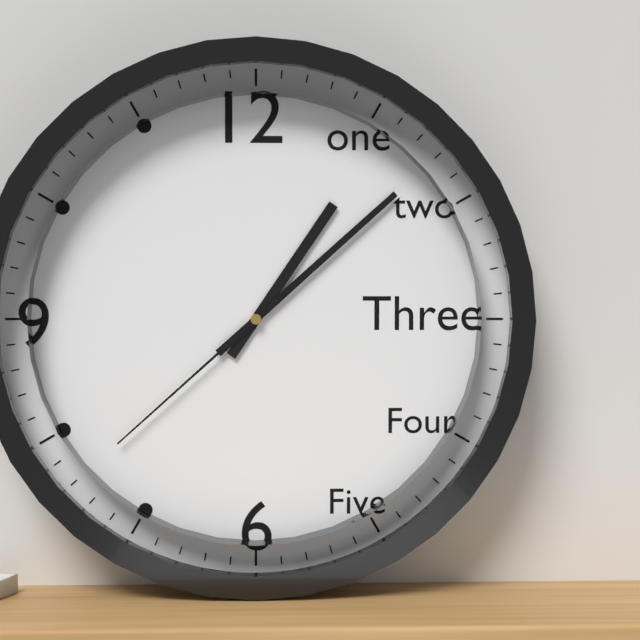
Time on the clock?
1:08:38
